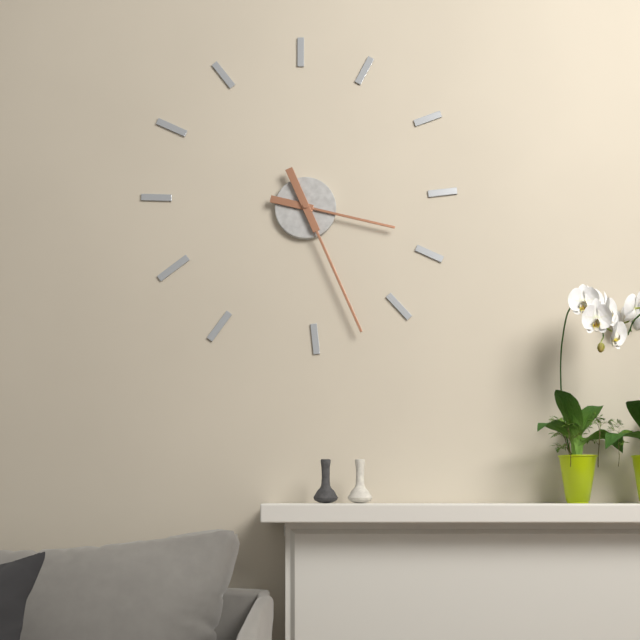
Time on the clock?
3:26
